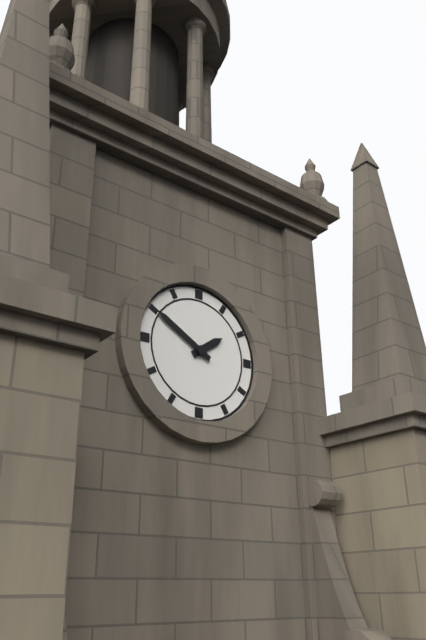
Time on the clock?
1:50
